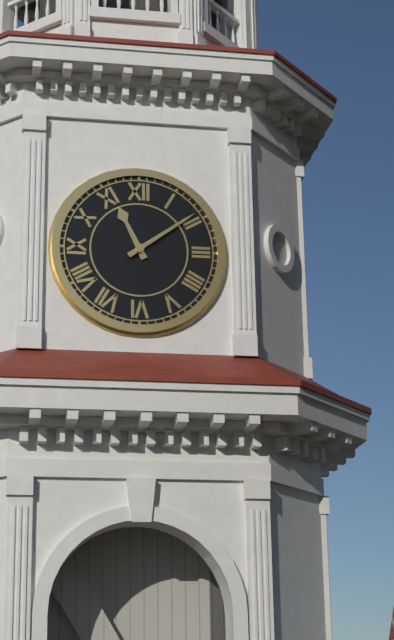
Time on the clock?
11:09
